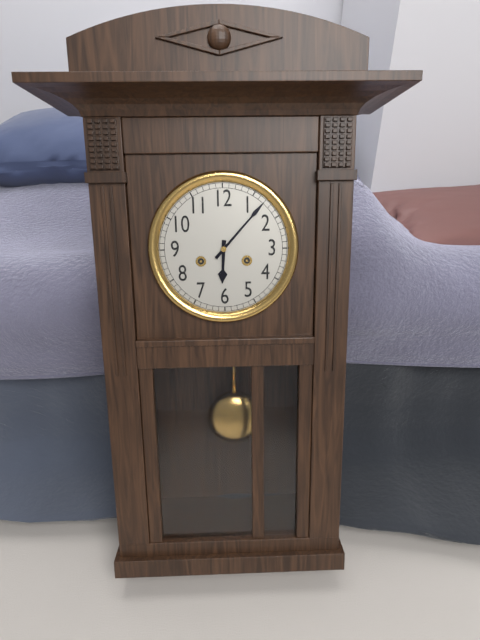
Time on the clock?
6:07
